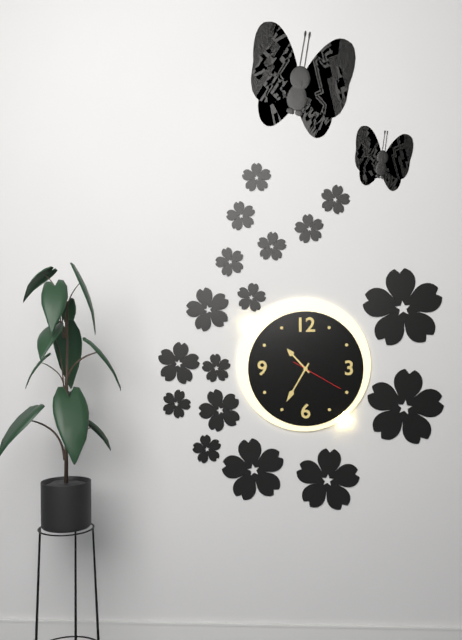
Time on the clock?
10:35:20
